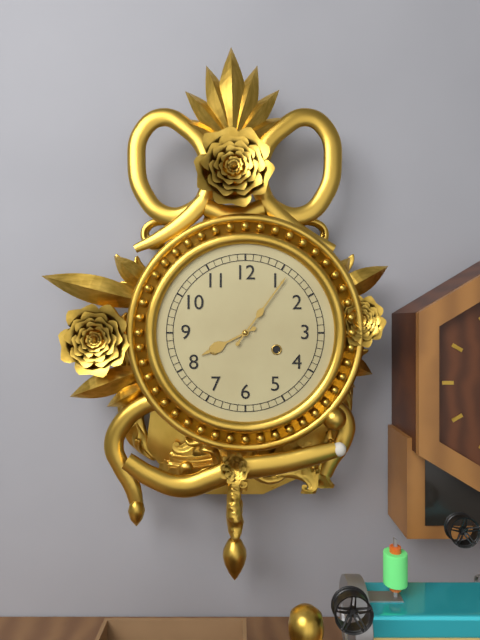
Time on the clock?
8:06
